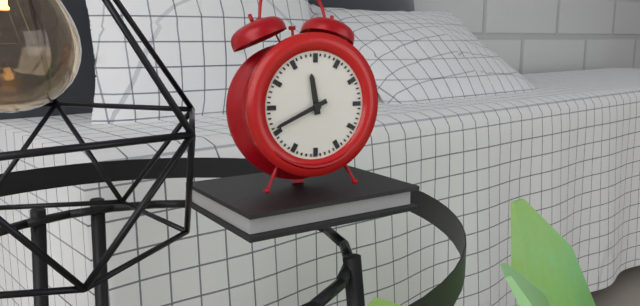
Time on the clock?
11:41
